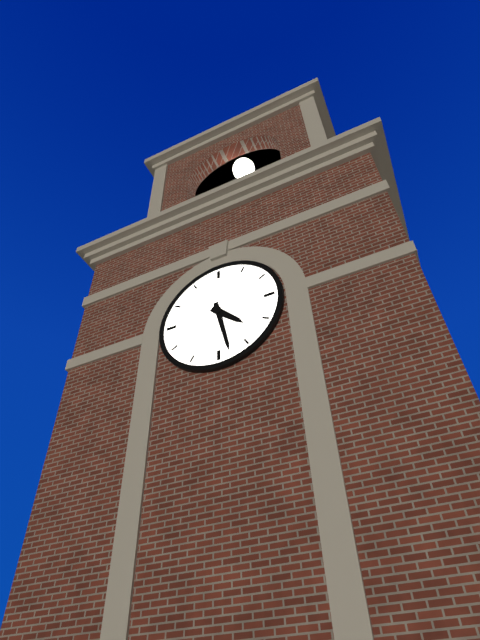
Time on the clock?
4:28
